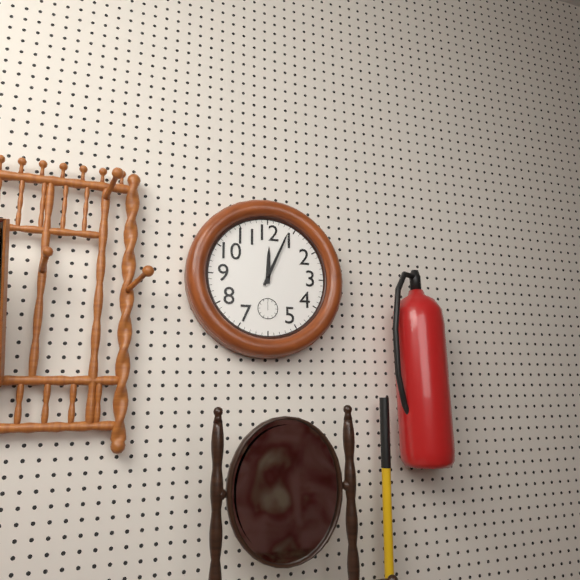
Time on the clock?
12:04
